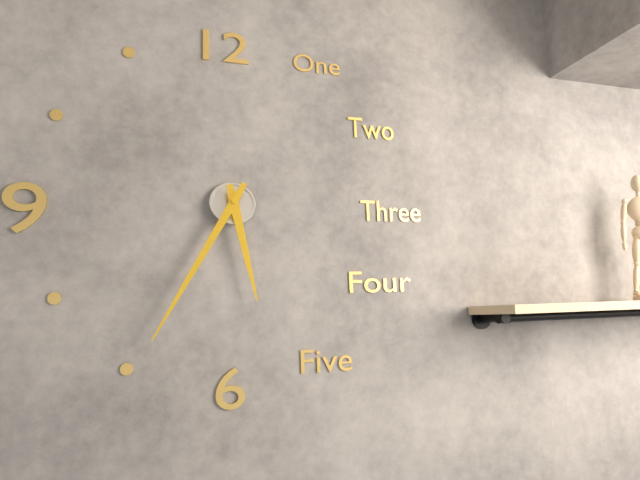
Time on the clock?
5:35
